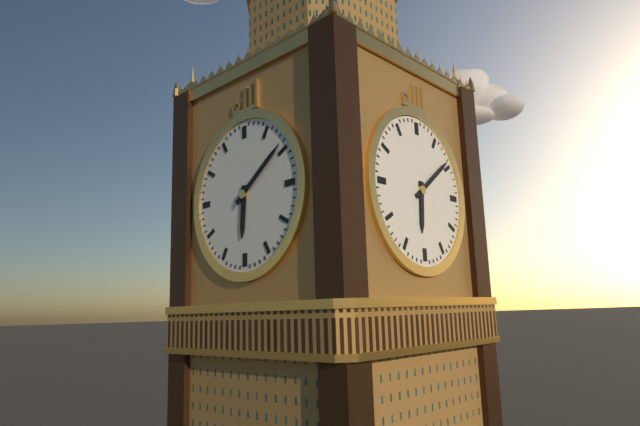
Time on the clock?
6:09
